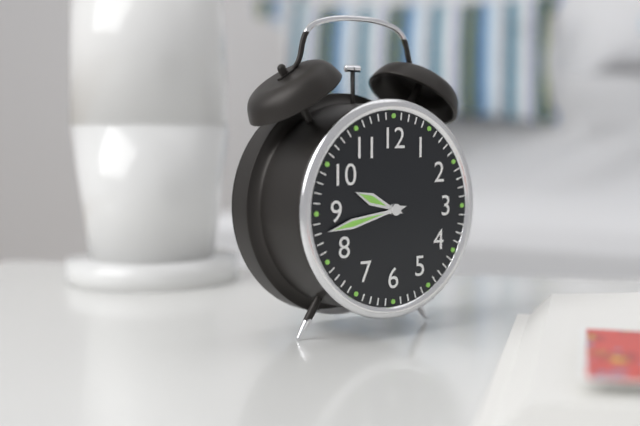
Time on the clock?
9:43
